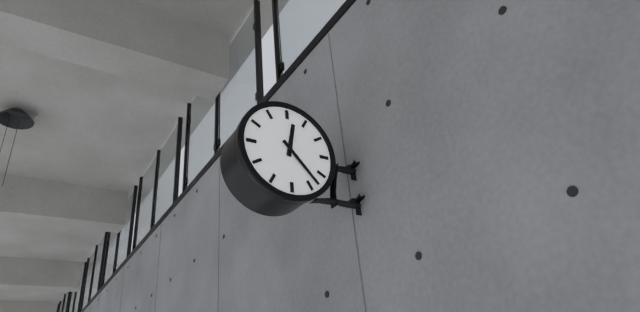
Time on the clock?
12:23
